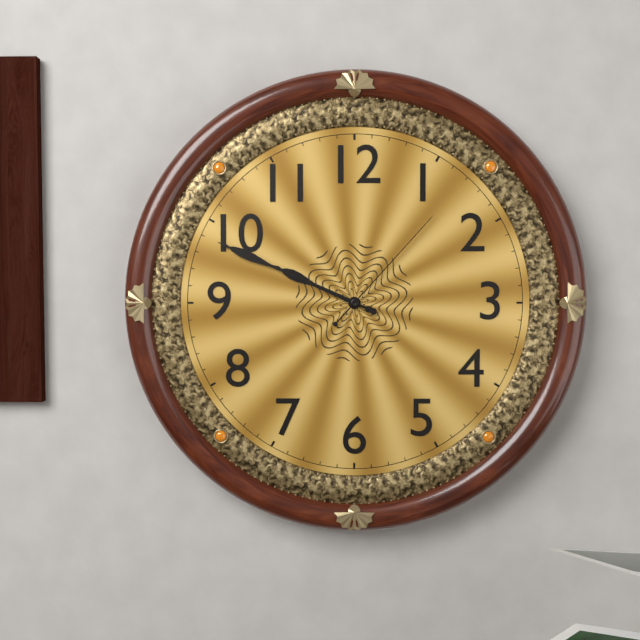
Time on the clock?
9:49:07
